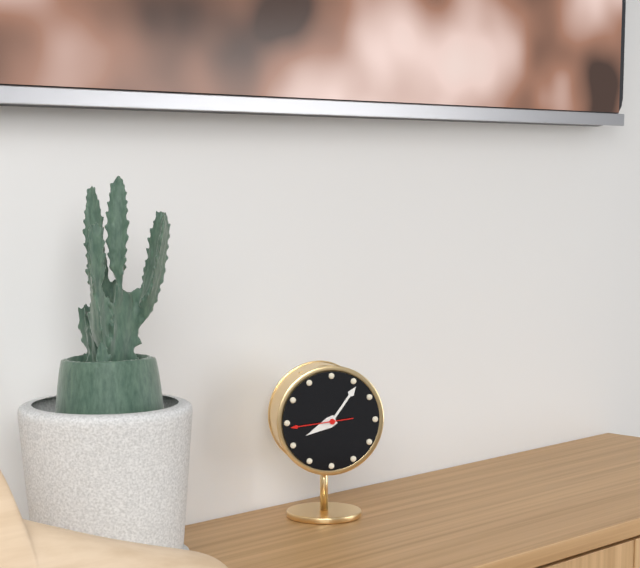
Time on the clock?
8:06:44
